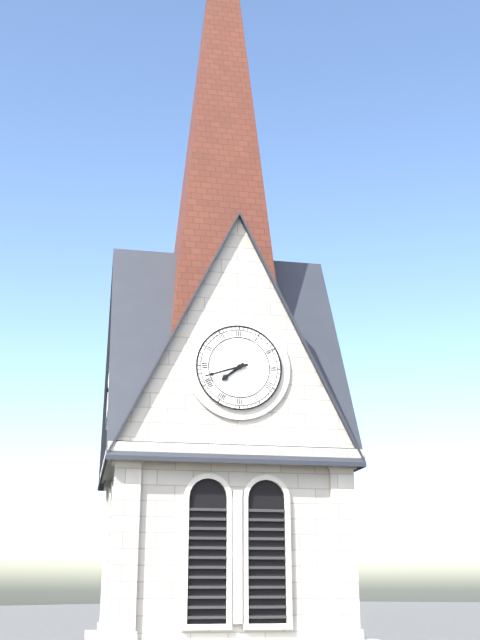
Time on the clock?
7:42
